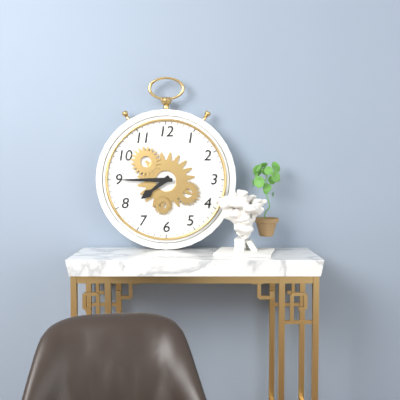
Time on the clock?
7:45
